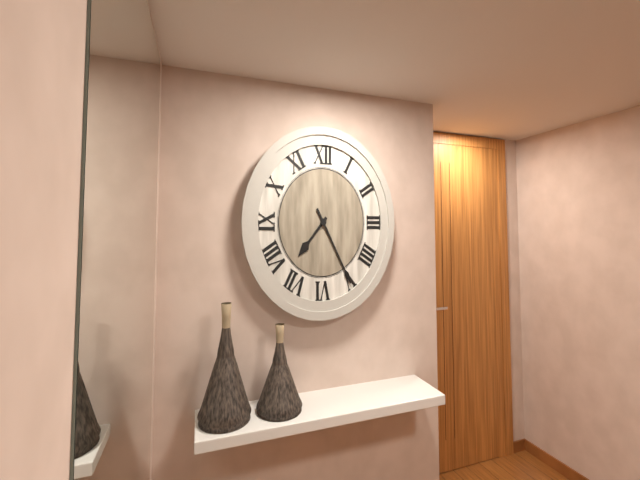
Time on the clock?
7:25
